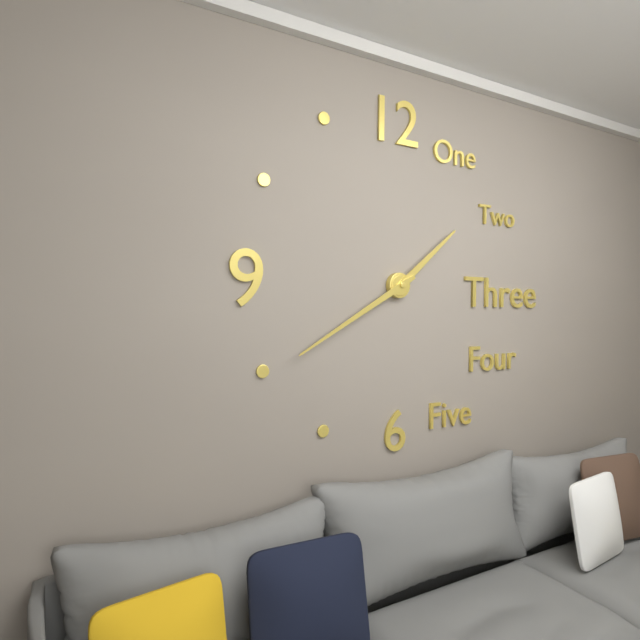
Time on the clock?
1:40
